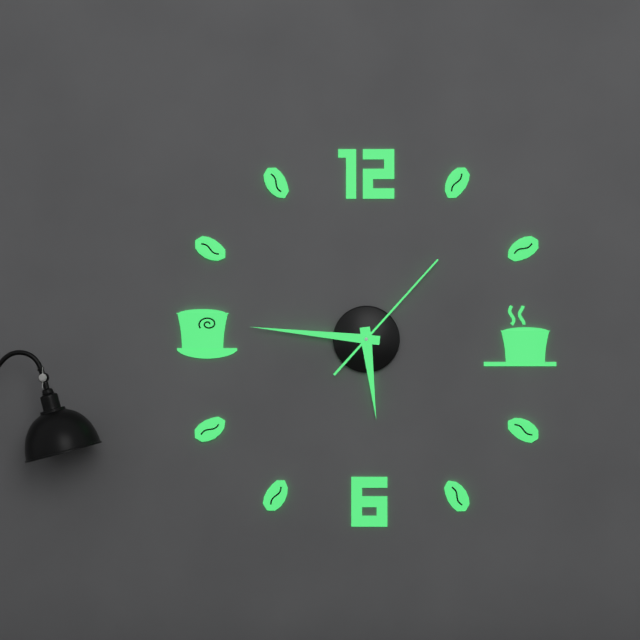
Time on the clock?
5:46:07
